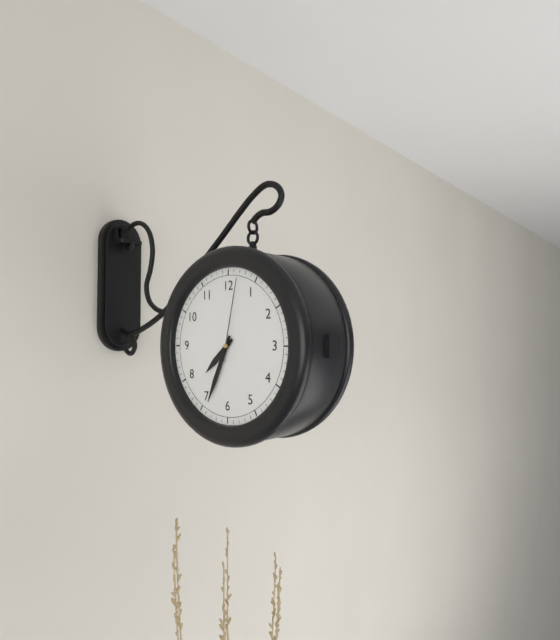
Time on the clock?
7:34:02
